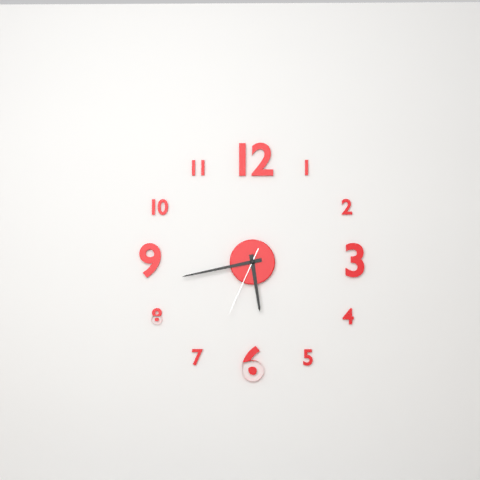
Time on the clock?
5:43:34
